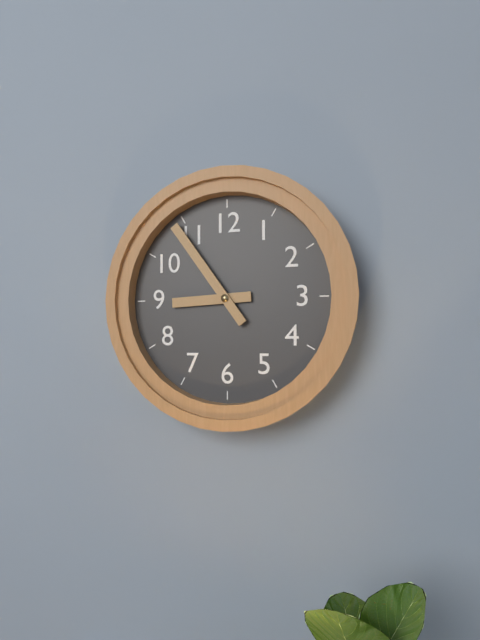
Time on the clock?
8:54
